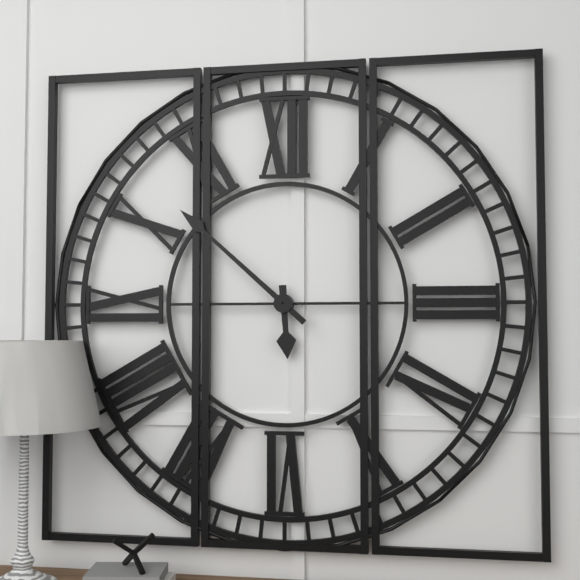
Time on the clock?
5:52
